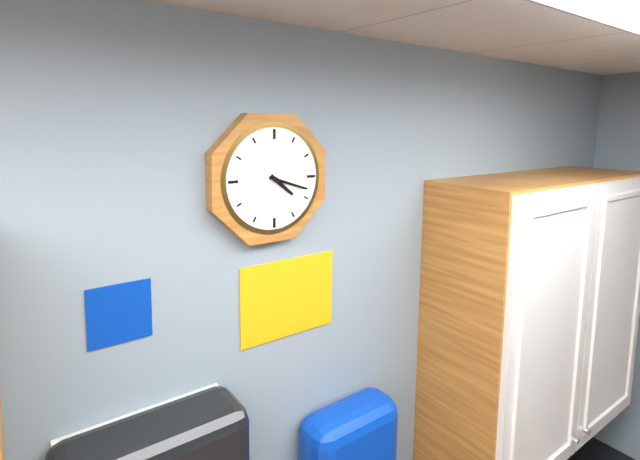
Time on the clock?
4:18
